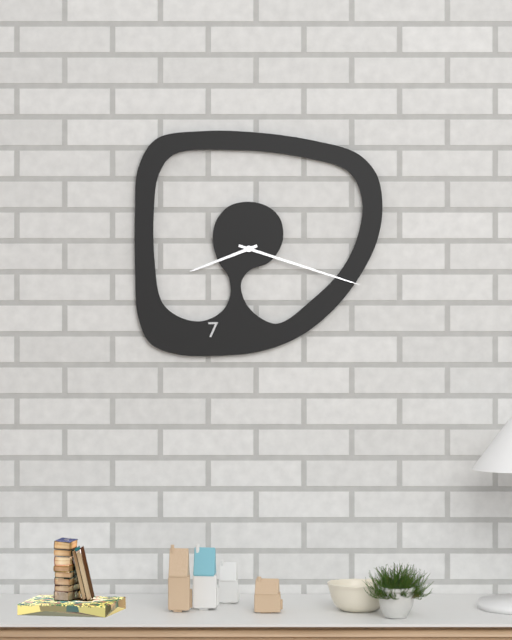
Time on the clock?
8:18
